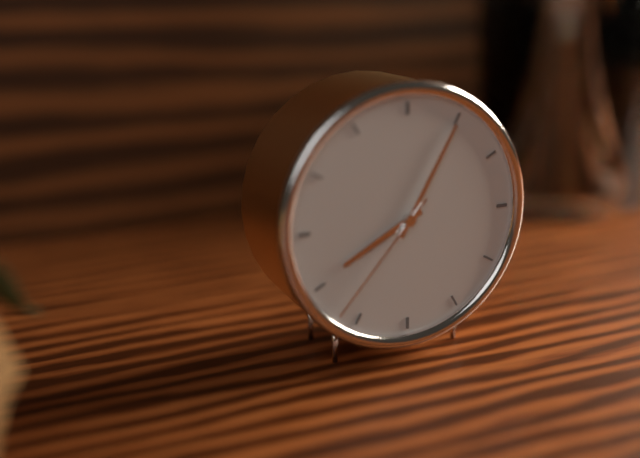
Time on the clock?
8:05:37
